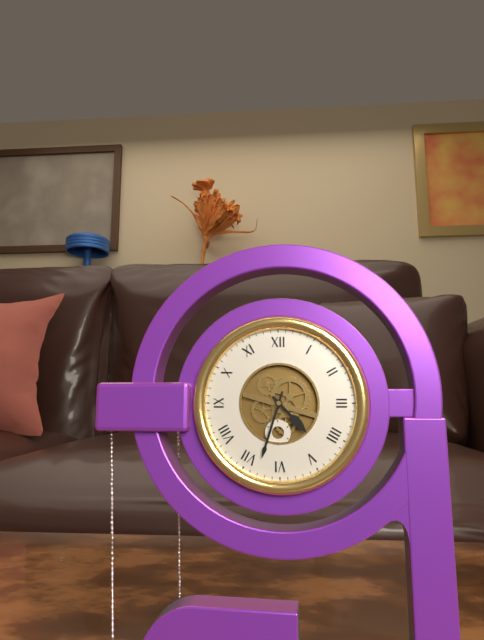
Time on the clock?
4:33
